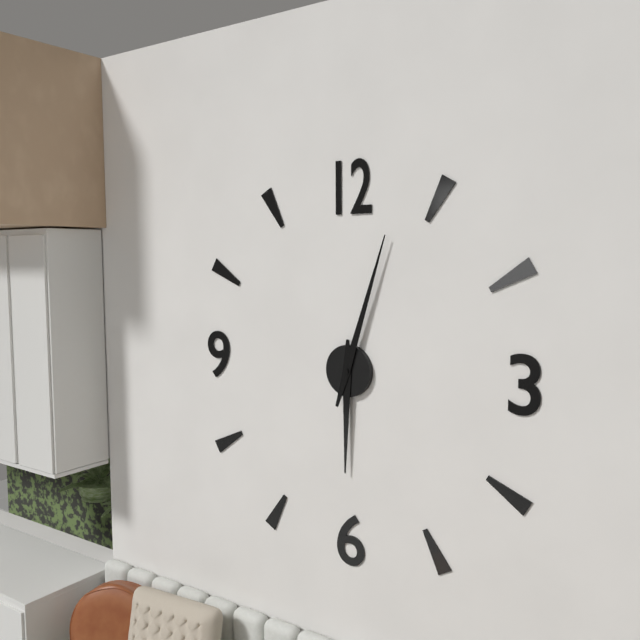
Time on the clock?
6:03
